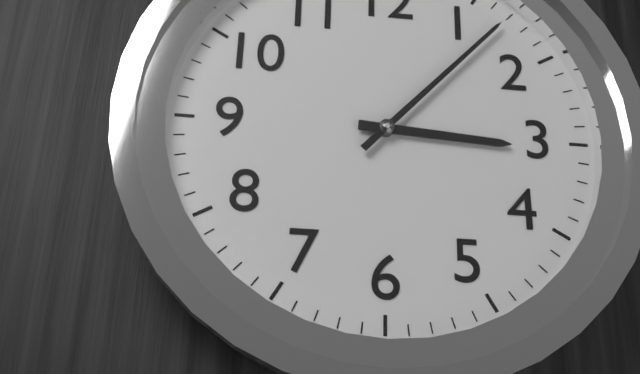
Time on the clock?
3:07
